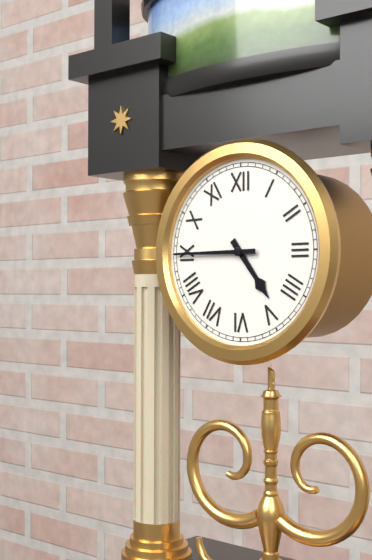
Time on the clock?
4:45
